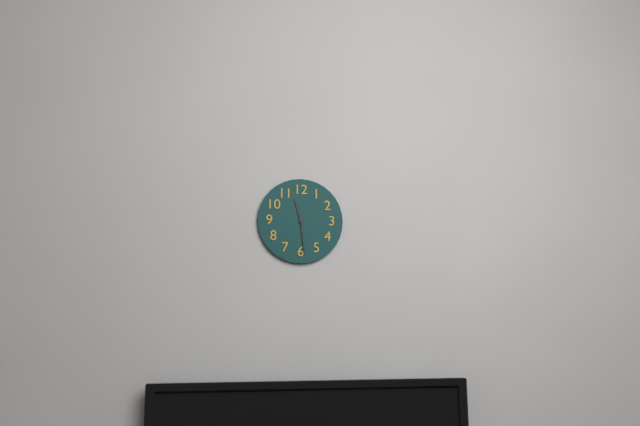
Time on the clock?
11:29
